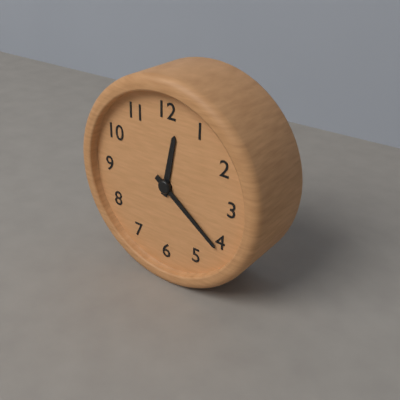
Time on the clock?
12:21
